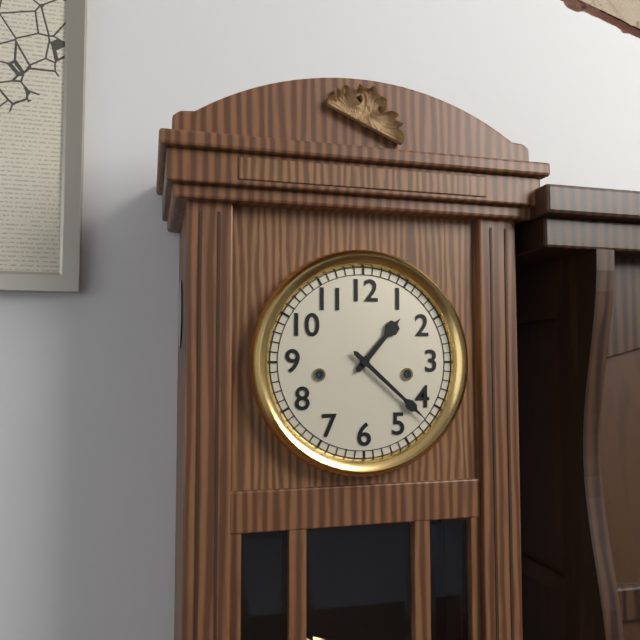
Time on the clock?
1:22
